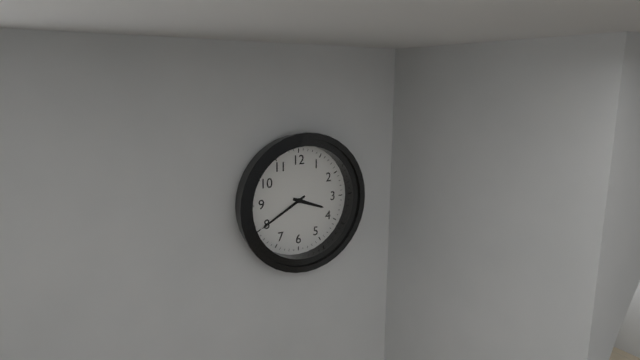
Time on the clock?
3:40
